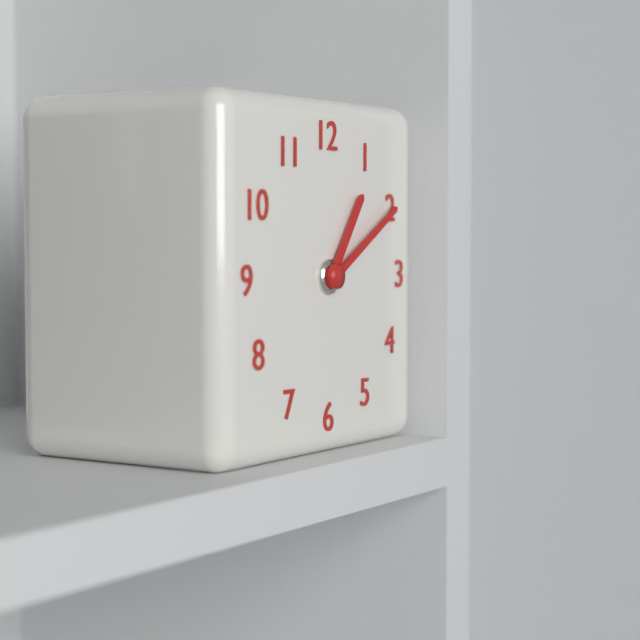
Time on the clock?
1:10
